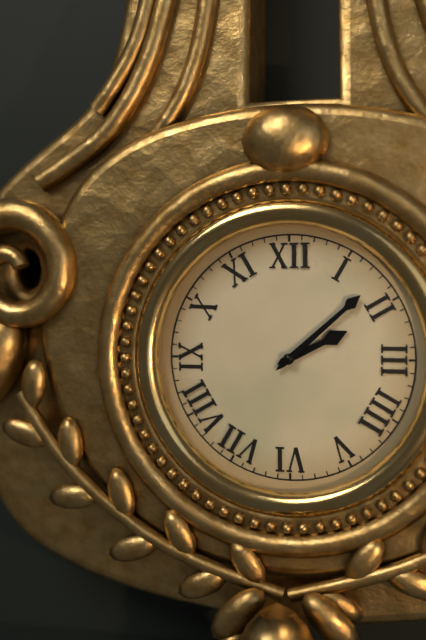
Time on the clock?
2:08
